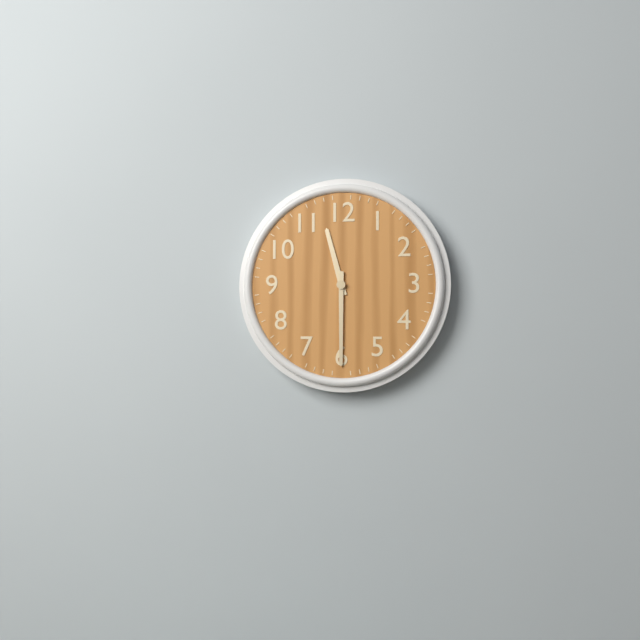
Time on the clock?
11:30
